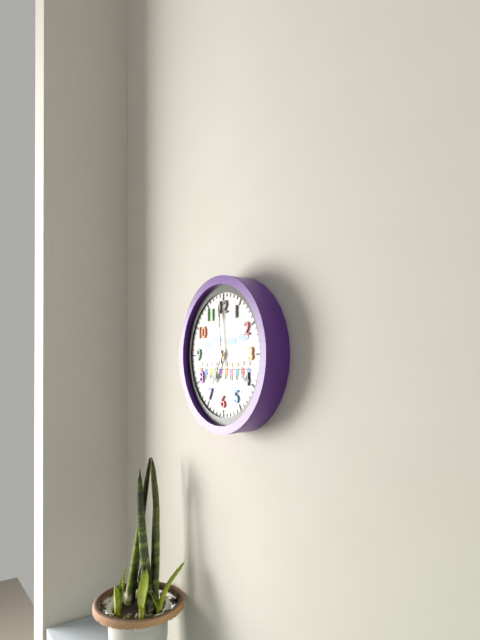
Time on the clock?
6:59:59
